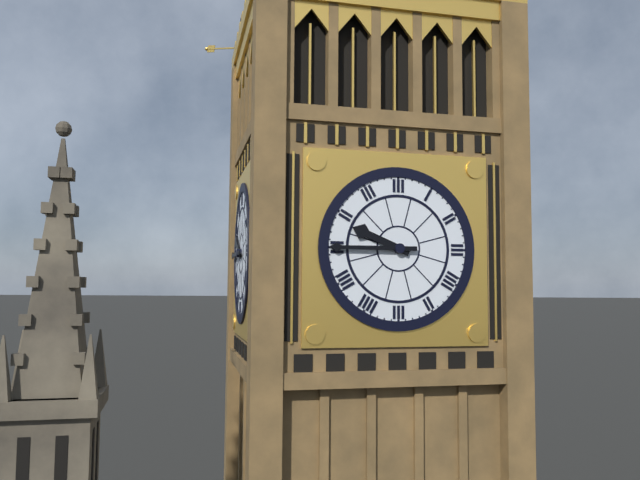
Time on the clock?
9:45
